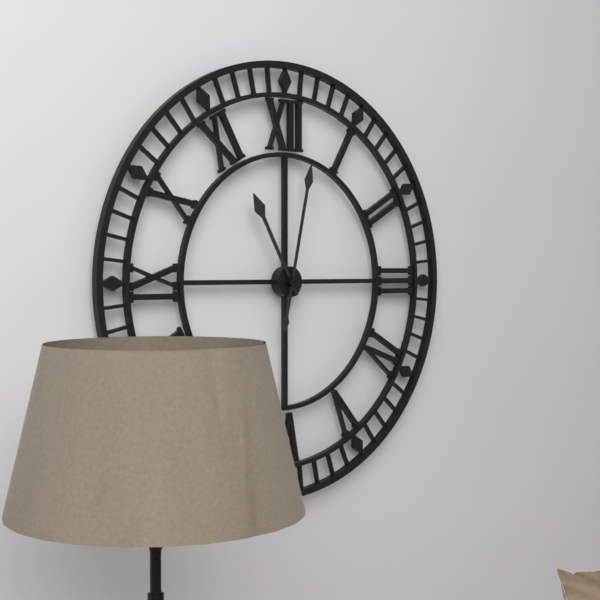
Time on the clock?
11:02
